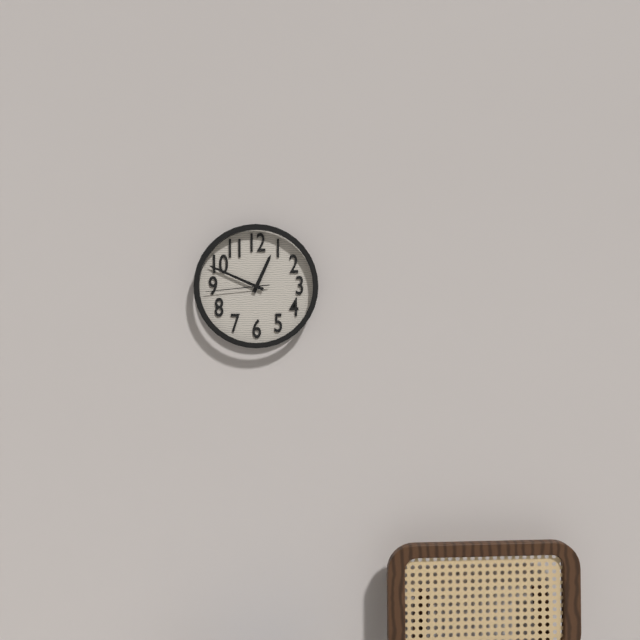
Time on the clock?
12:49:44
